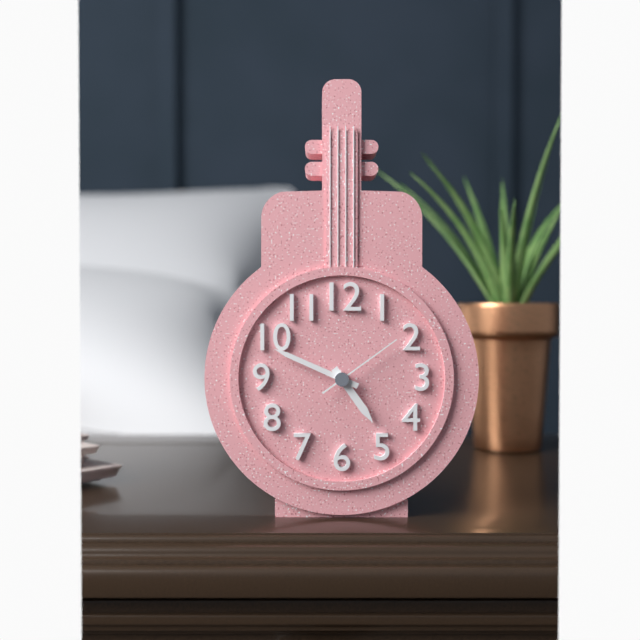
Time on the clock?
4:49:09
